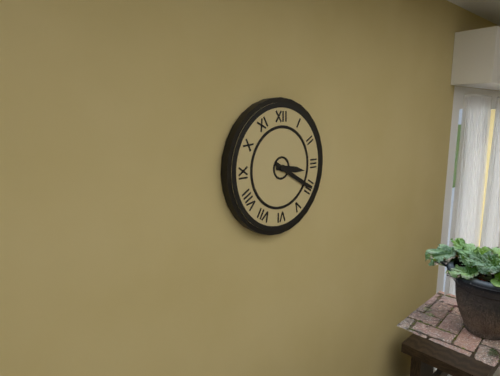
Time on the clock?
3:20
